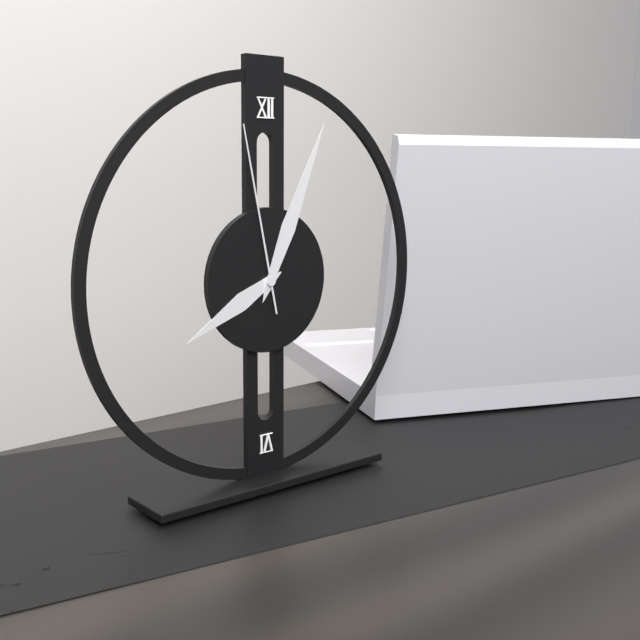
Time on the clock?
8:04:58
